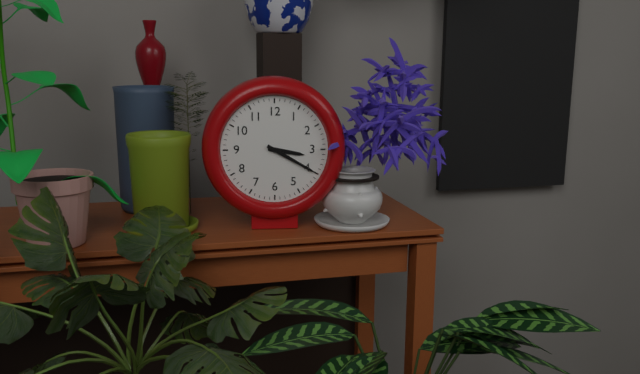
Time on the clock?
3:20
